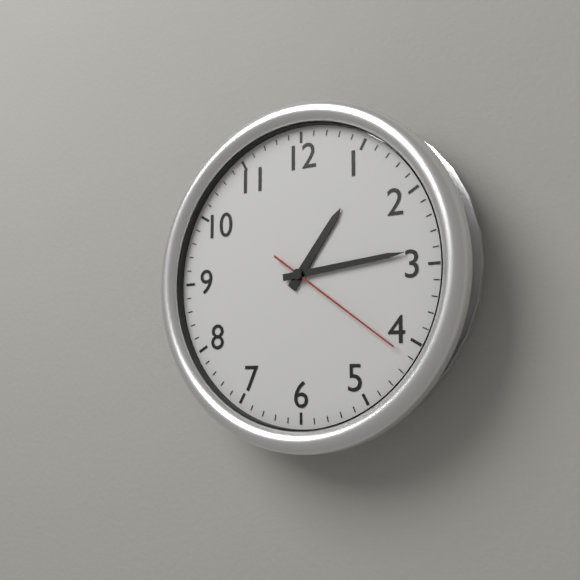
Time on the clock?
1:14:21
